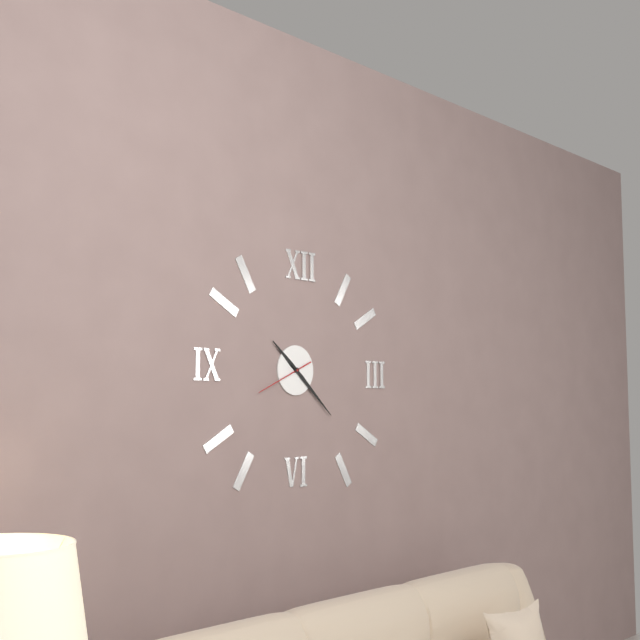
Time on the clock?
10:22:41
